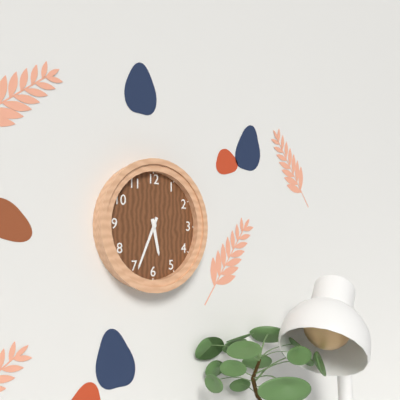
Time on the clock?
5:34
